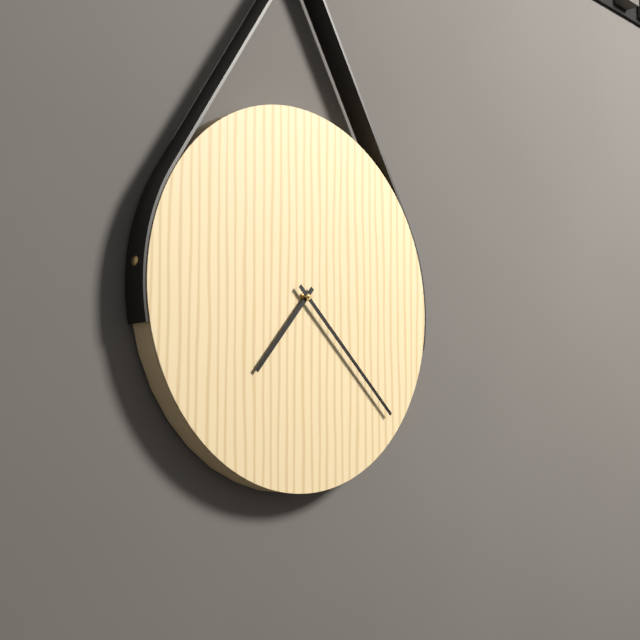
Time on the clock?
7:22
